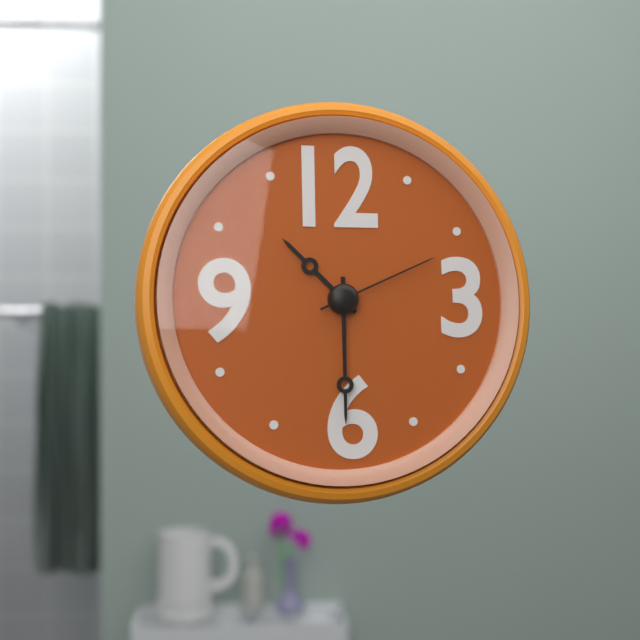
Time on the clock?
10:30:11
